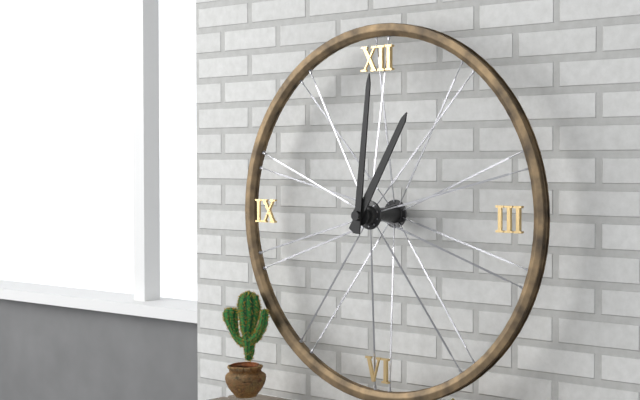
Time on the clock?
1:01
